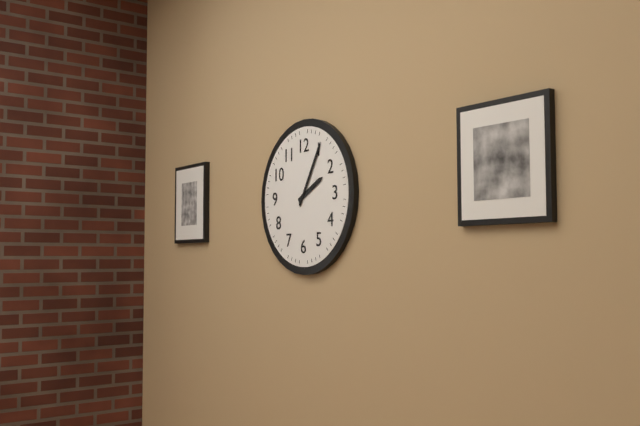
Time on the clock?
2:05
